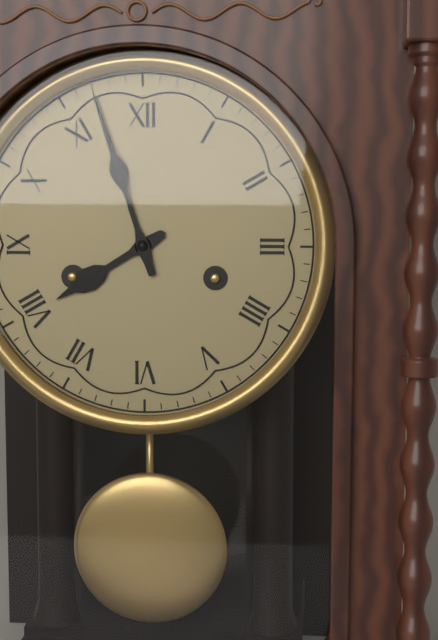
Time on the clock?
7:57
